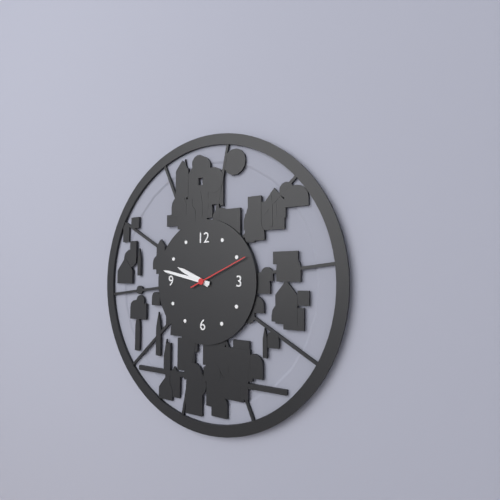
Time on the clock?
9:47:11
